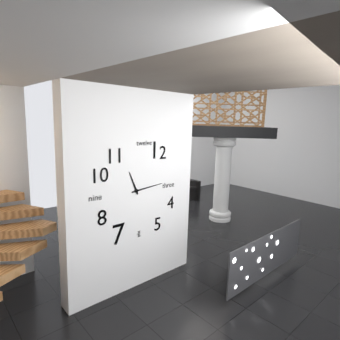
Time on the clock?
11:14
